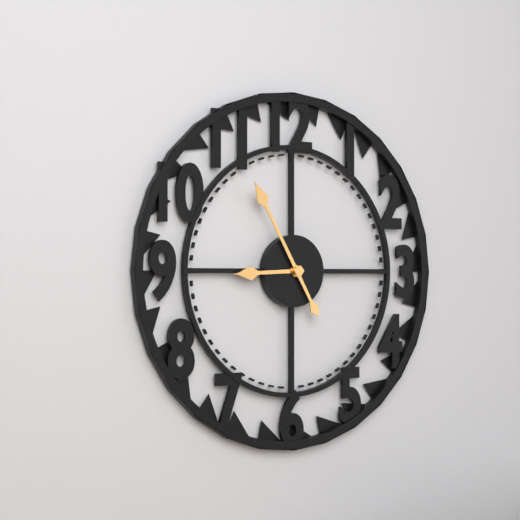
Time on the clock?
8:55
